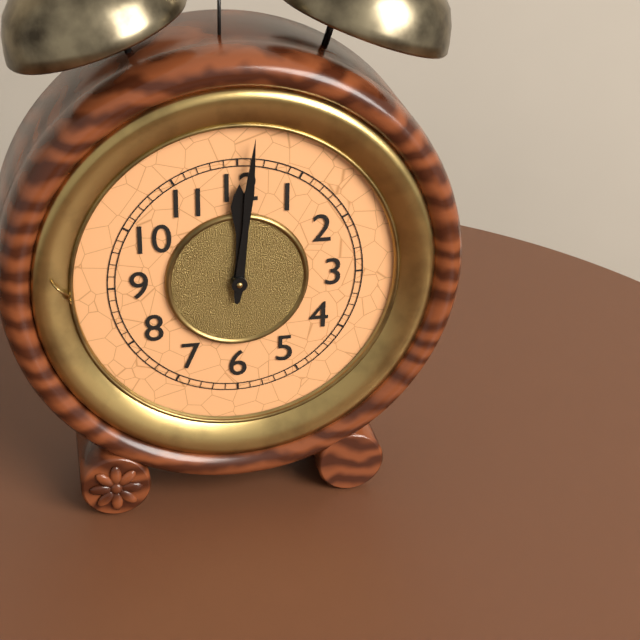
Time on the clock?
12:01
